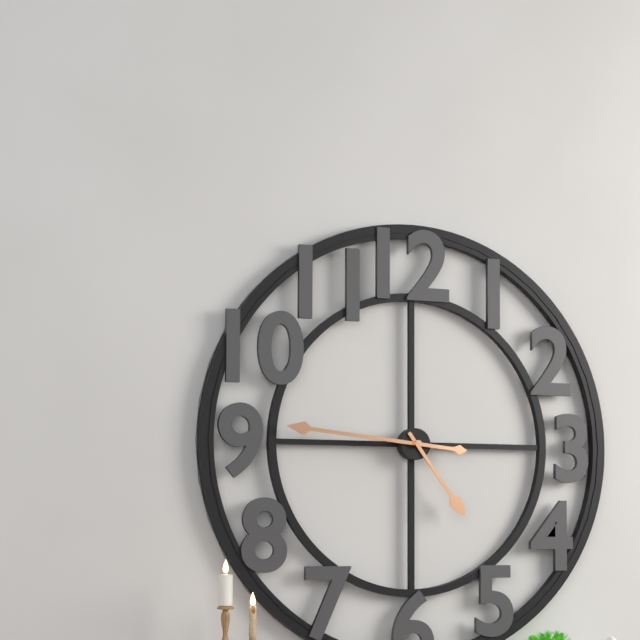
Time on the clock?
4:46
